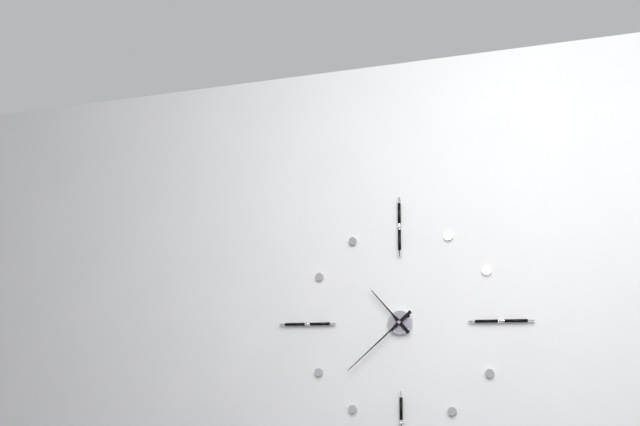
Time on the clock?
10:38
